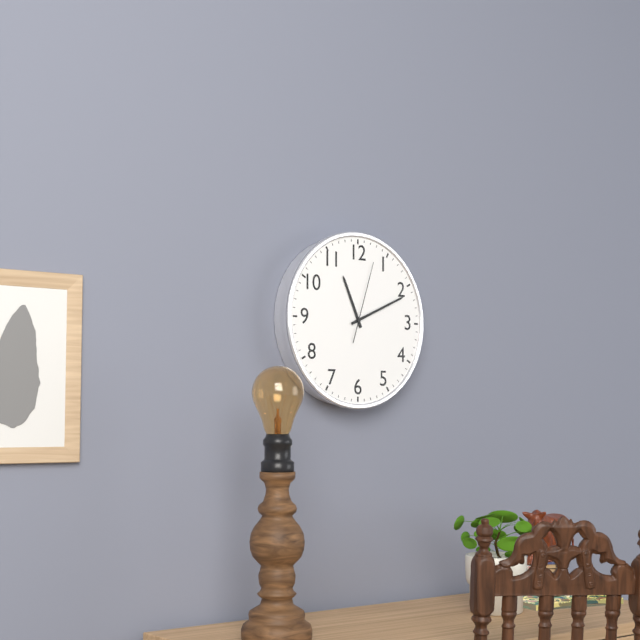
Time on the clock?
11:11:03
